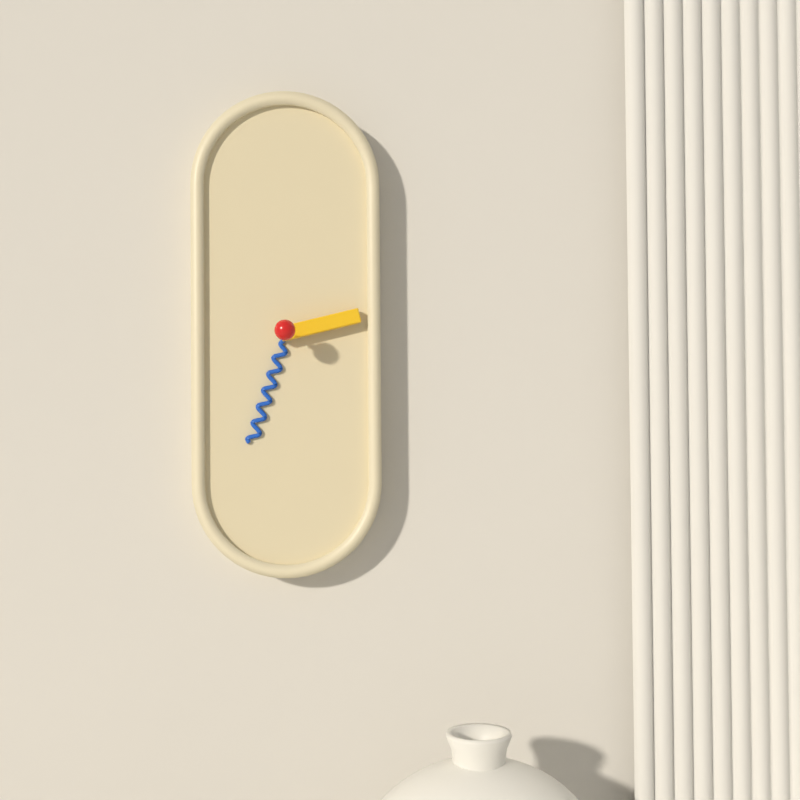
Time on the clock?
2:33
